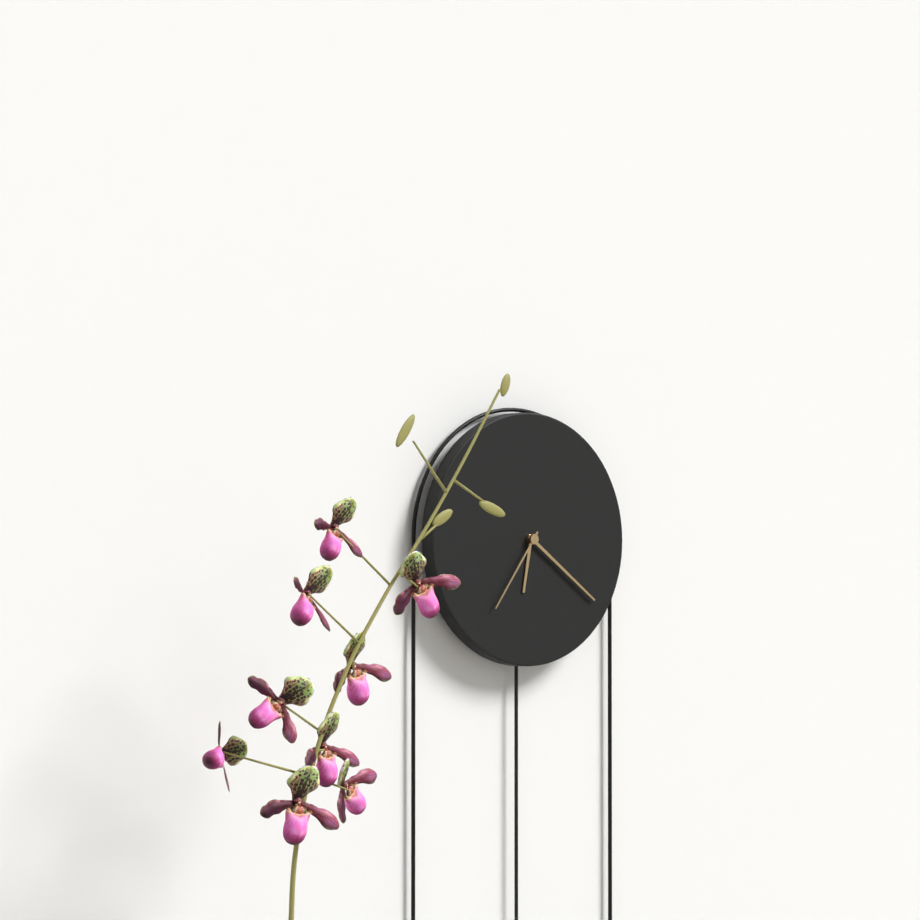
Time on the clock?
6:21:36
